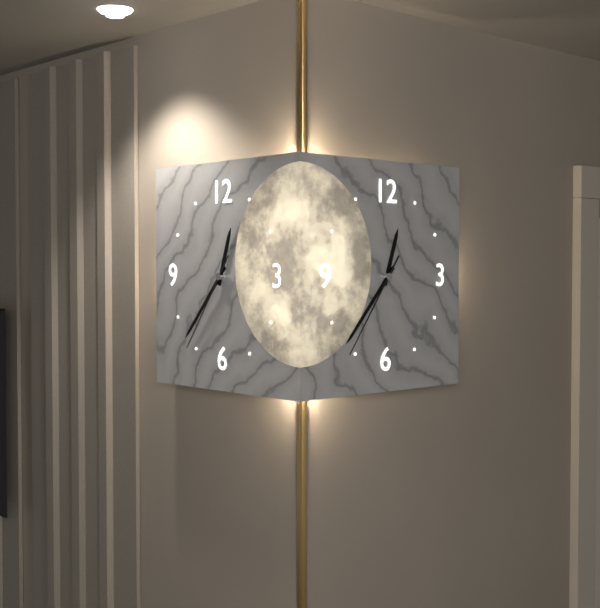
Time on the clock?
12:37:36
